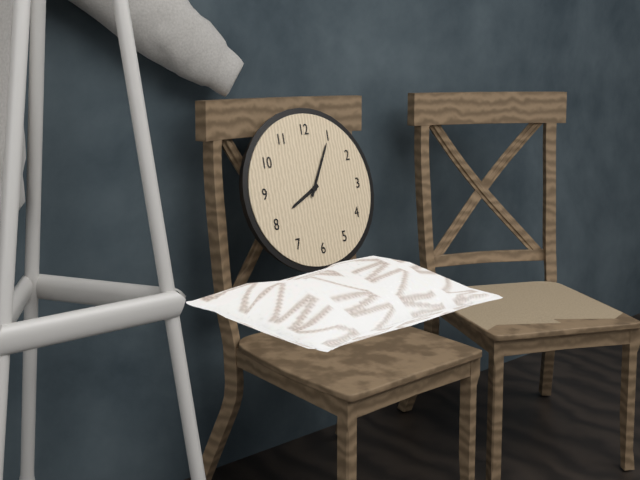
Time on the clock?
8:05
